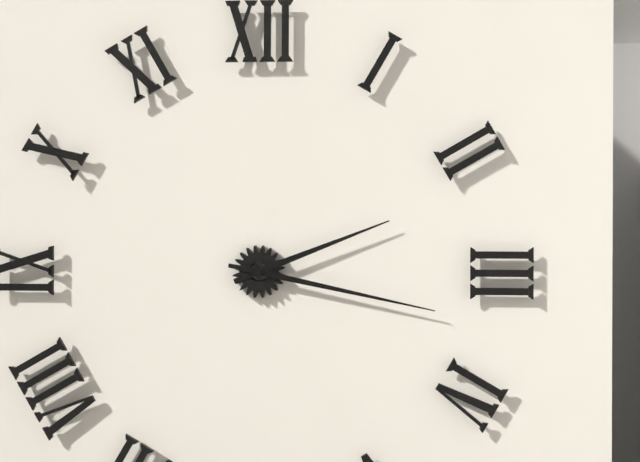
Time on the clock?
2:17
